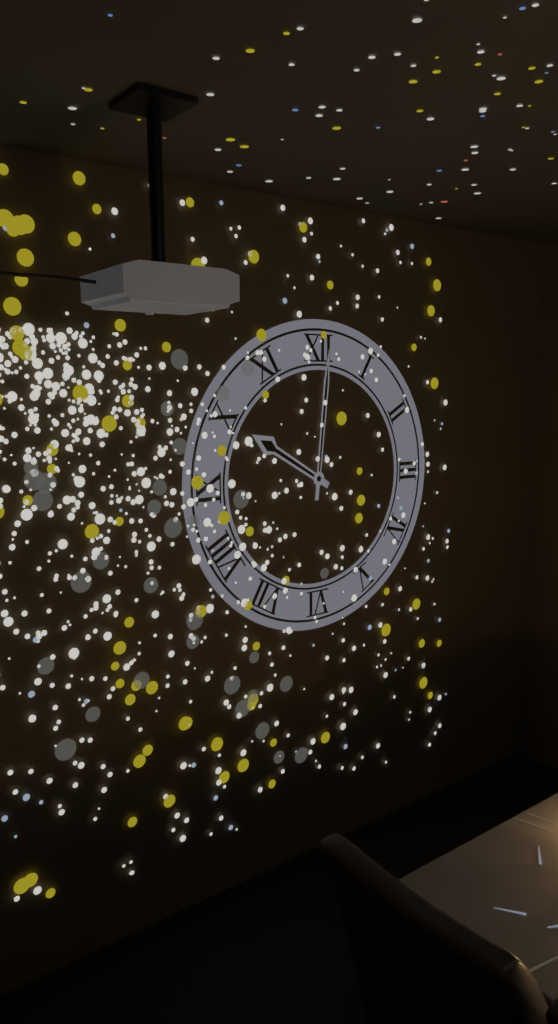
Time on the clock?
10:01
